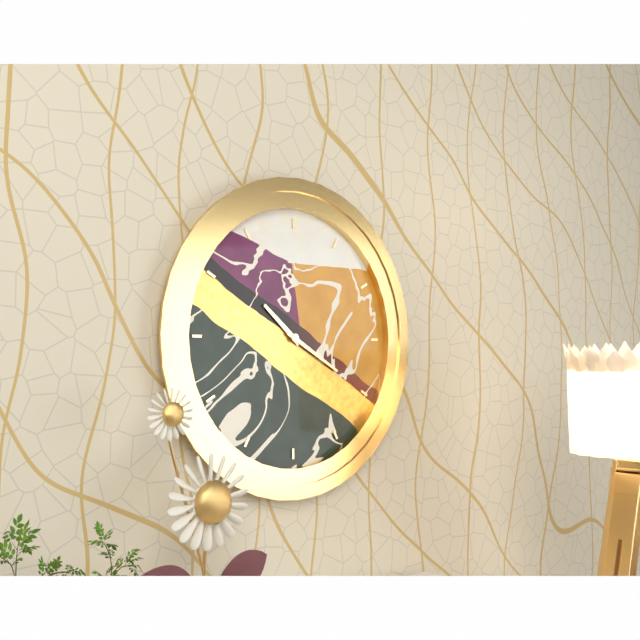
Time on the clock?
10:20
